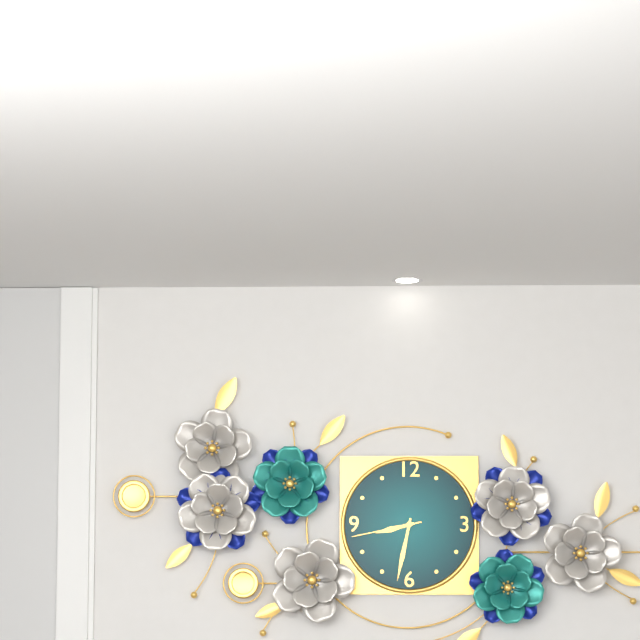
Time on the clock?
8:32:43
